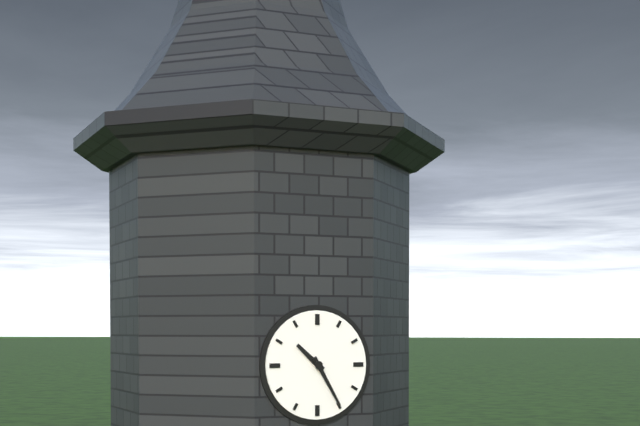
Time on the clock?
10:25
